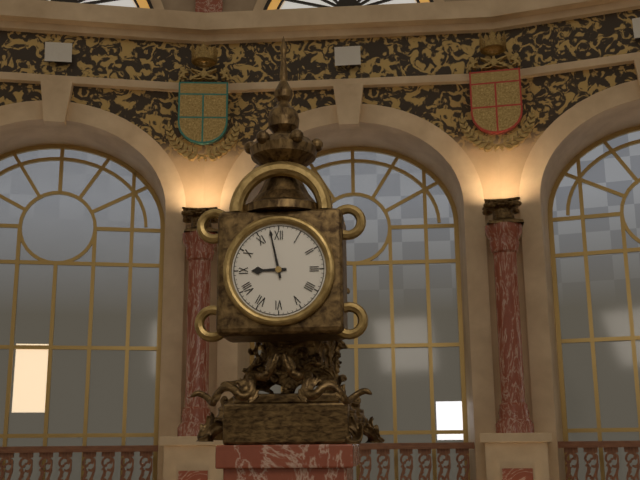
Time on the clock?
8:58
